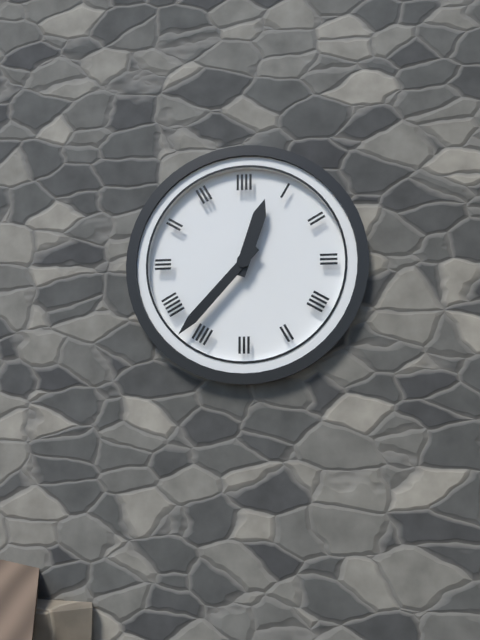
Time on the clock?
12:37
